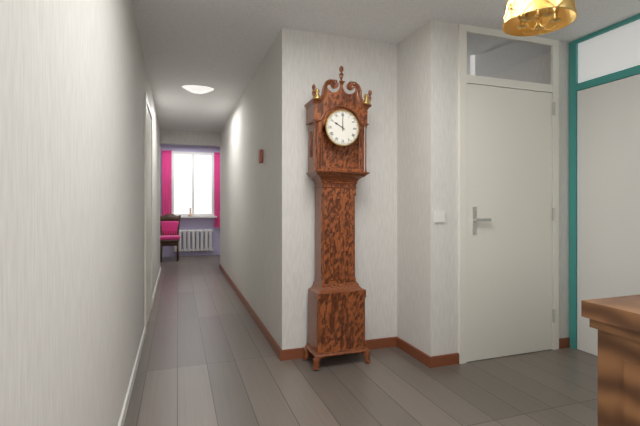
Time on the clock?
10:00
